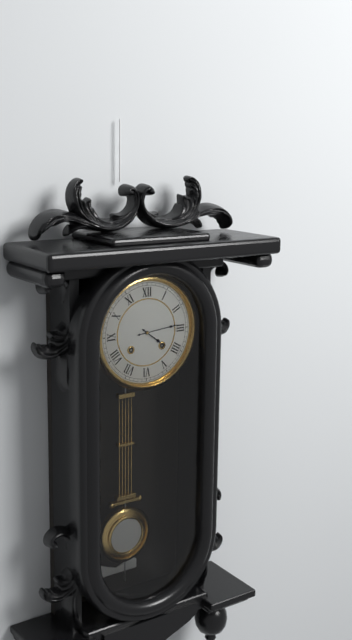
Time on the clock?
4:14
